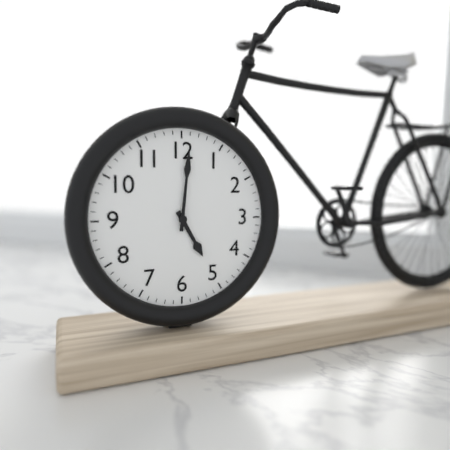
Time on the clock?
5:01
